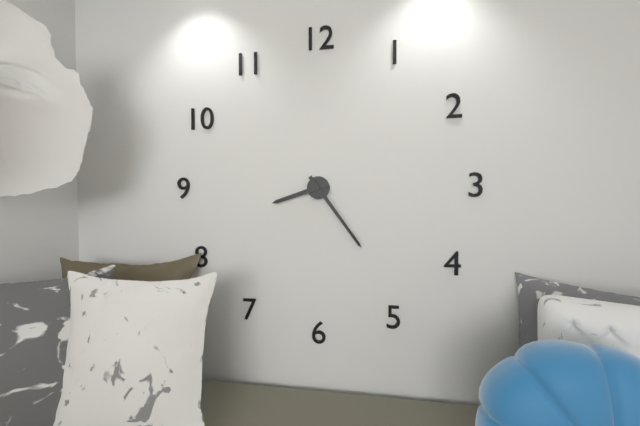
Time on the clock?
8:24
